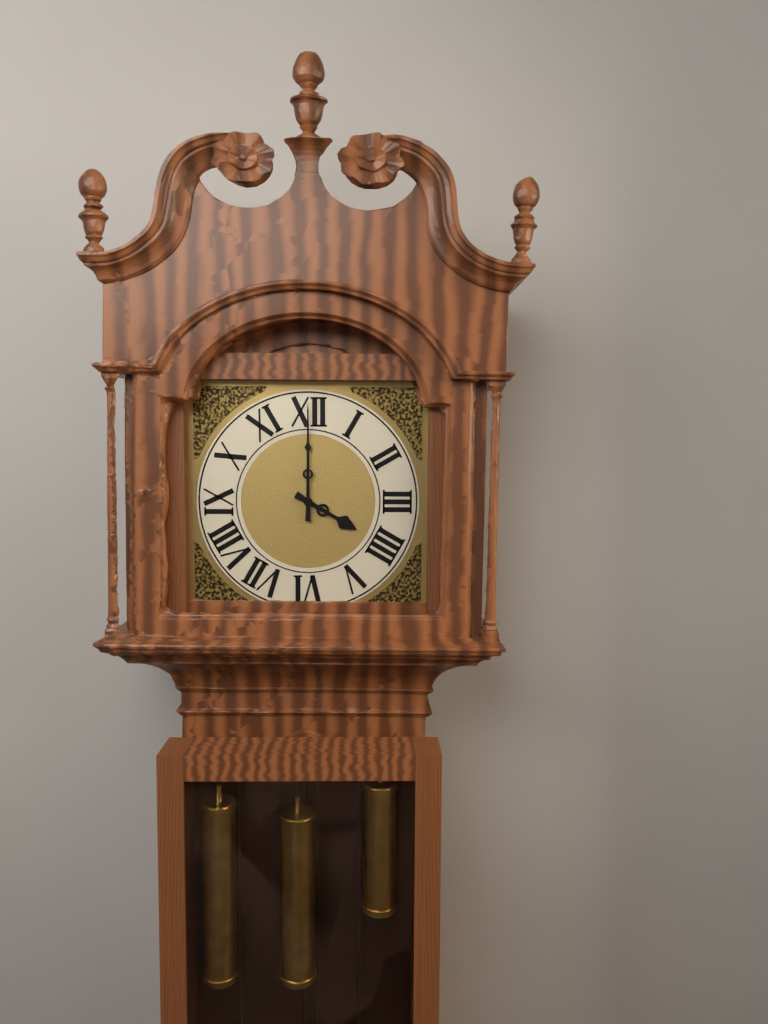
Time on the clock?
4:00
